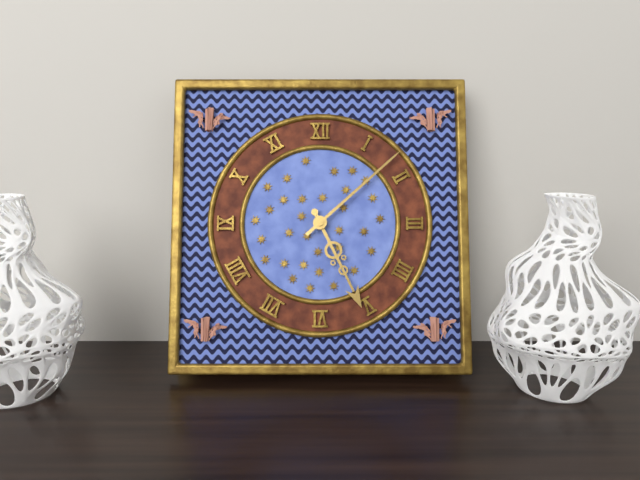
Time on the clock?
5:08
